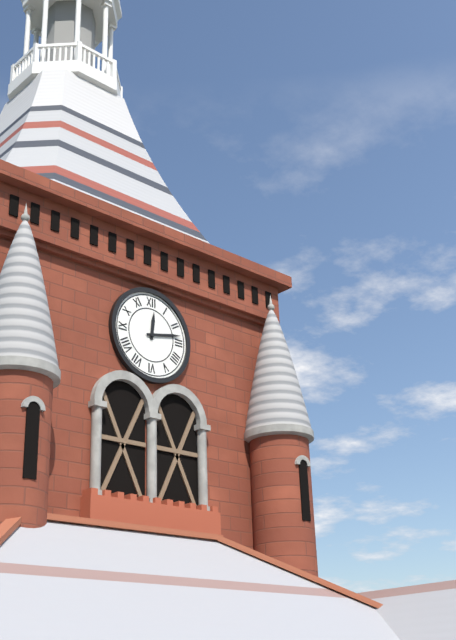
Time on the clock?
12:13
